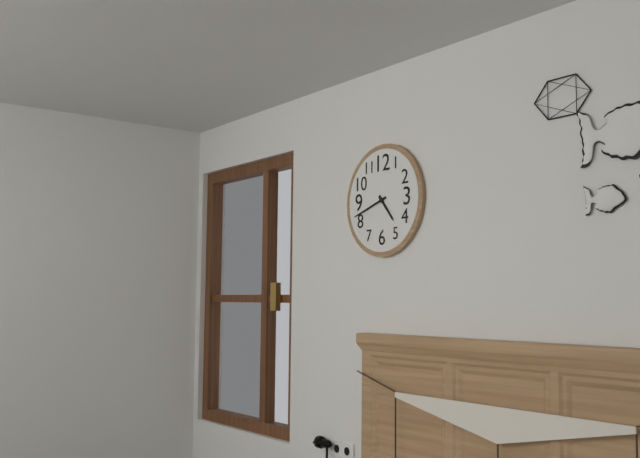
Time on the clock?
4:42
